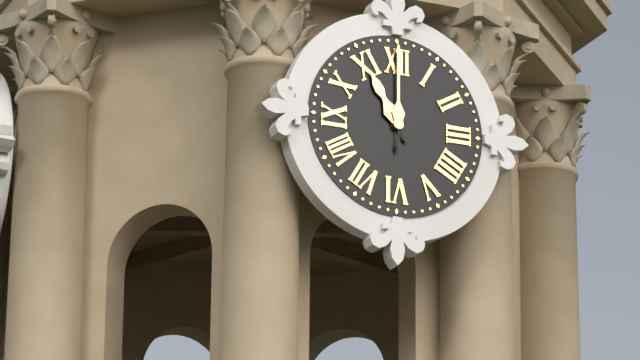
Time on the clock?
11:00
